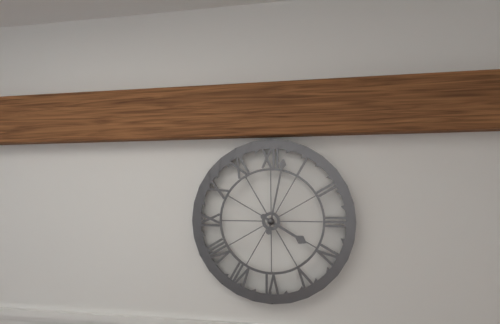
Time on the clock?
4:02
